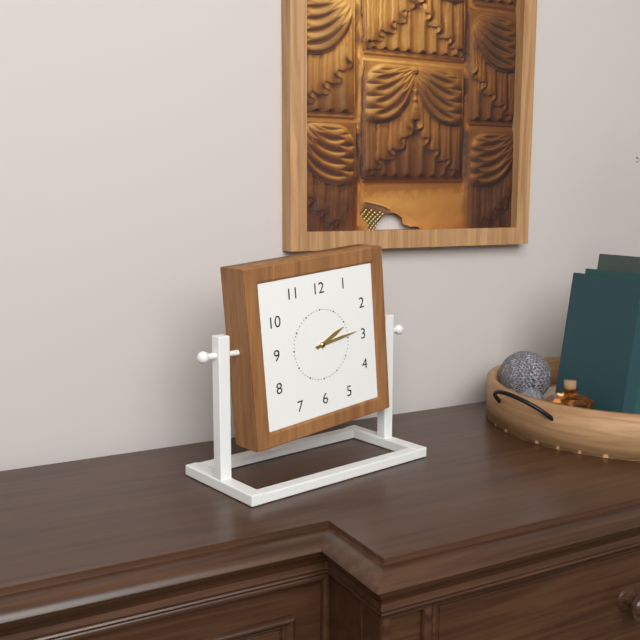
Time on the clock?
2:14
